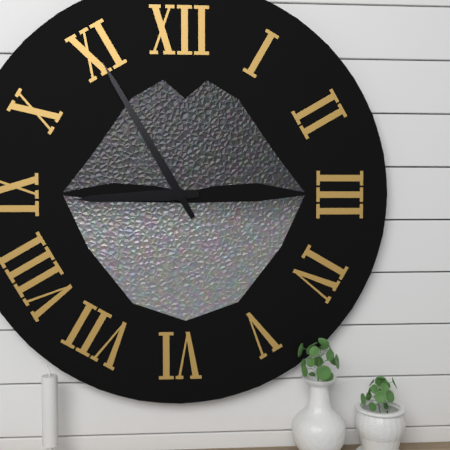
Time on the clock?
8:55
